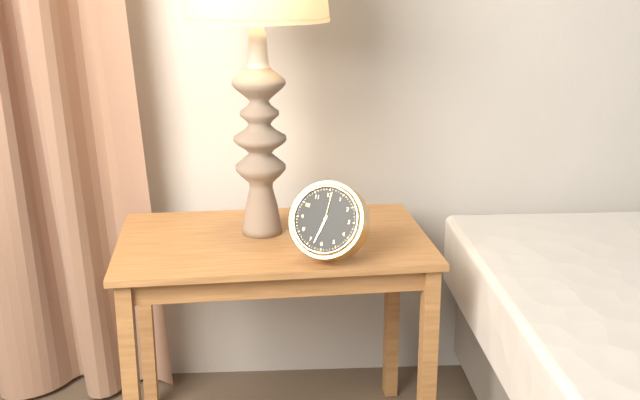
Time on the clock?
6:33
